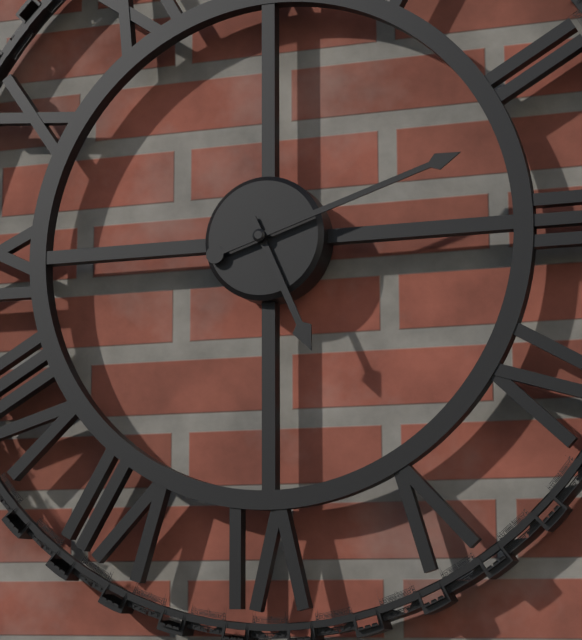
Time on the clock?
5:12
